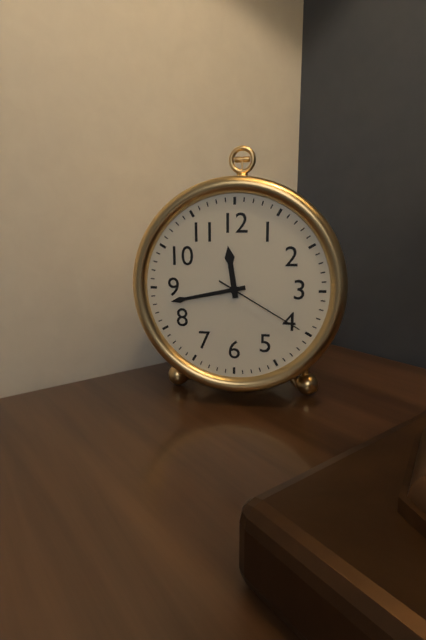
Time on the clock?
11:43:20
